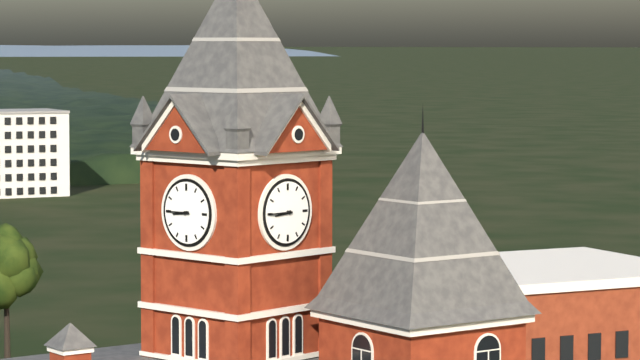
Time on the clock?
8:45
